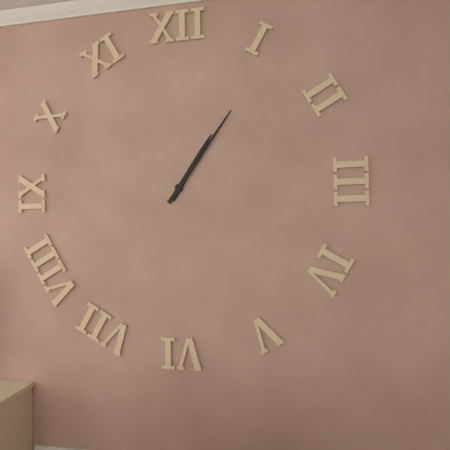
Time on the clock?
1:06
